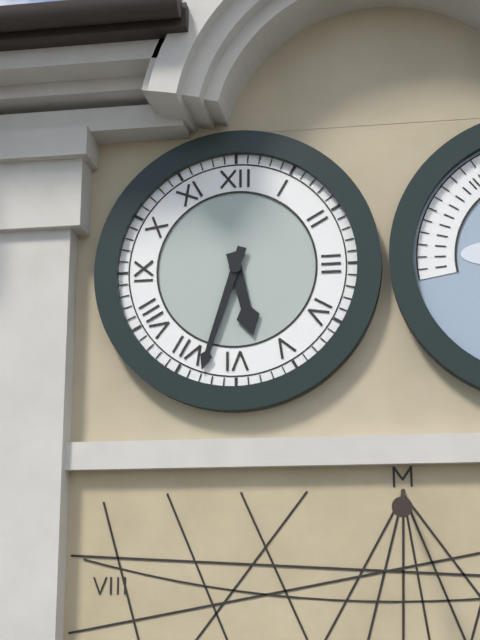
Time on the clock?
5:33
